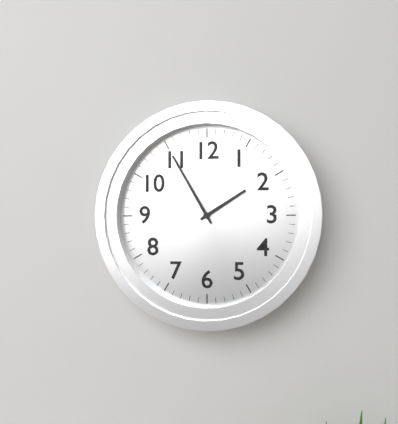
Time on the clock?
1:55
